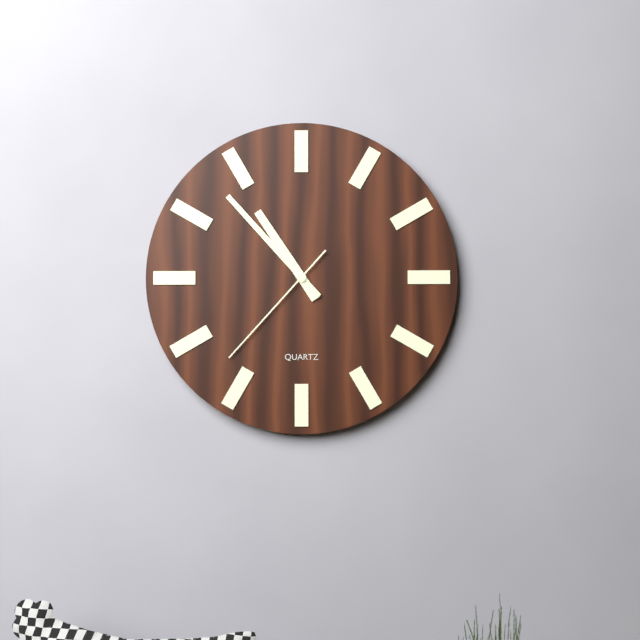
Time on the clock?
10:53:37
